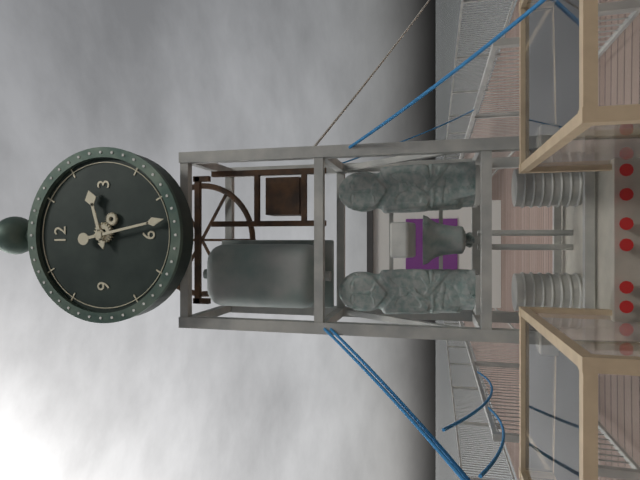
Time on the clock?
2:28
